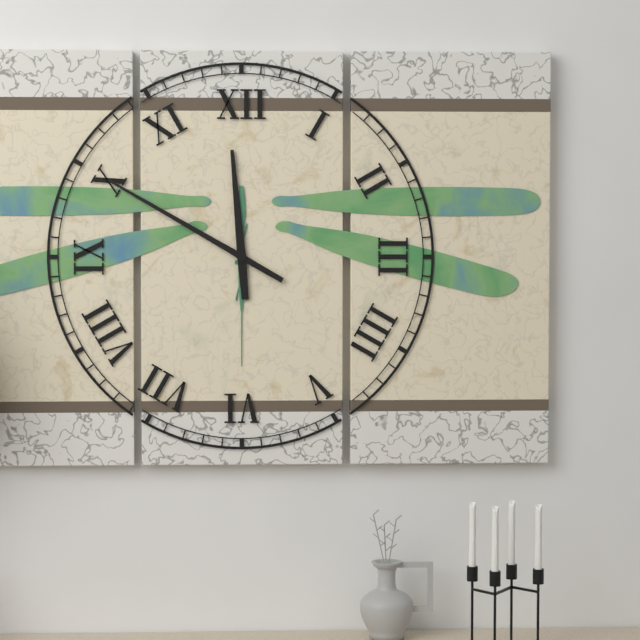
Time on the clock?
11:50
